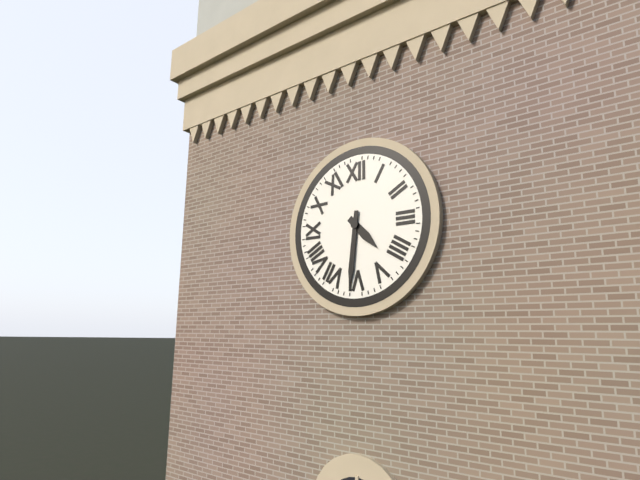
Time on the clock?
4:31
